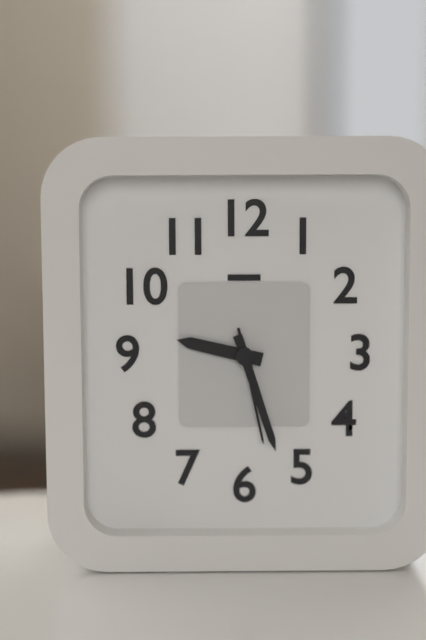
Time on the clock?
9:27:28
